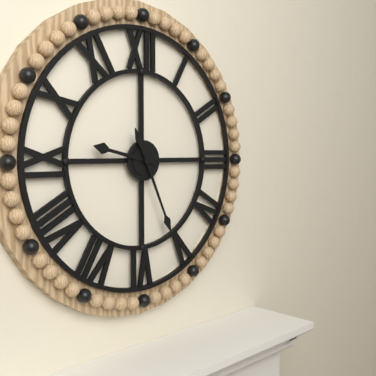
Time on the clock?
9:26
